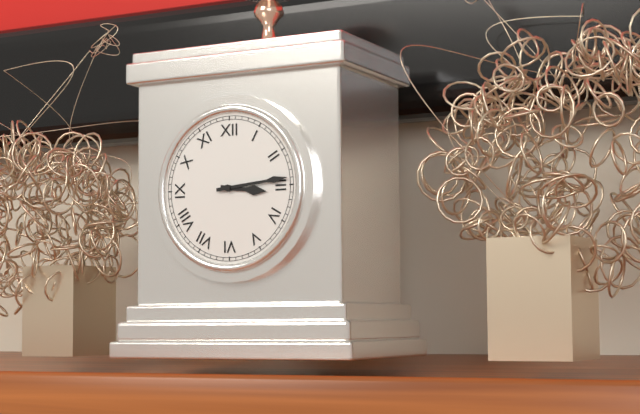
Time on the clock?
3:14
